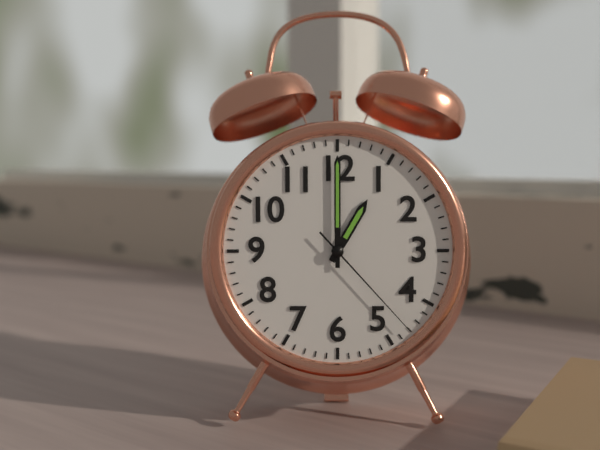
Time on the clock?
1:00:23
